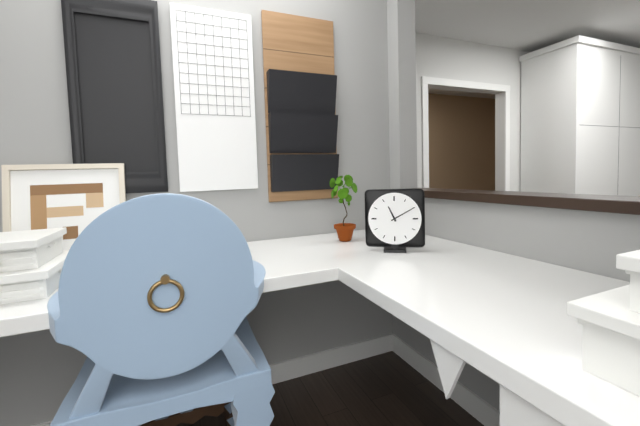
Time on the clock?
11:10
